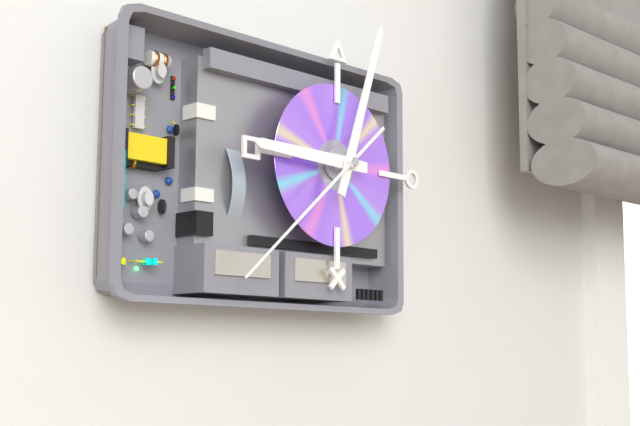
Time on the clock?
9:03:38
